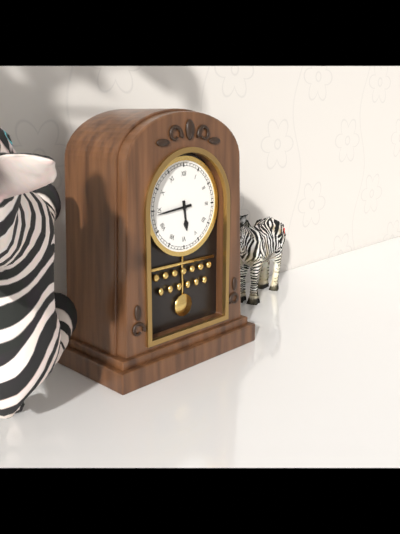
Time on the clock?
5:44
